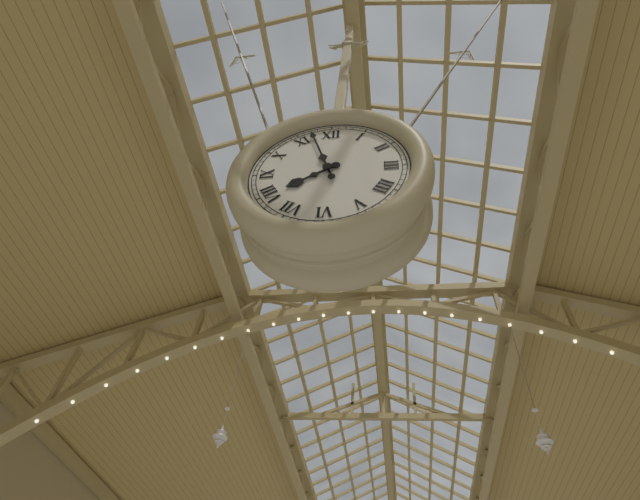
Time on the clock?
7:57
